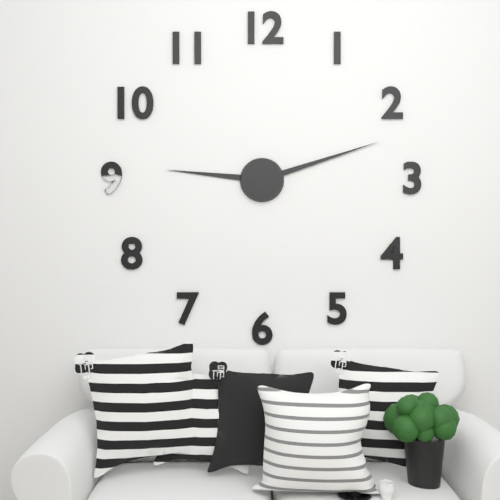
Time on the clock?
9:12
